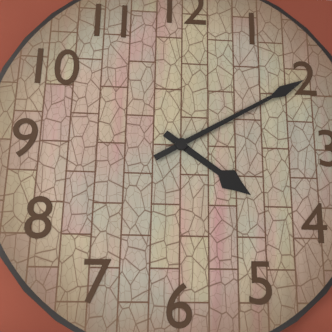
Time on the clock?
4:10
